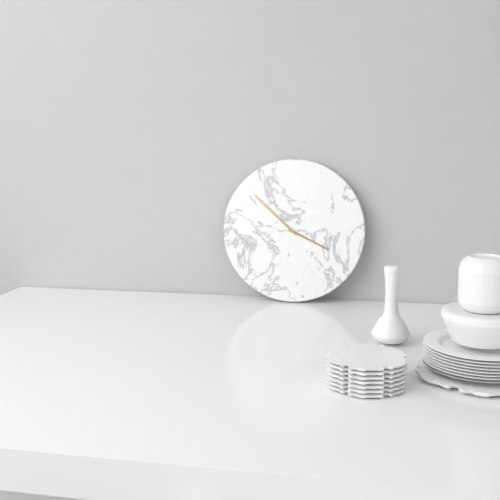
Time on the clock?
3:52
